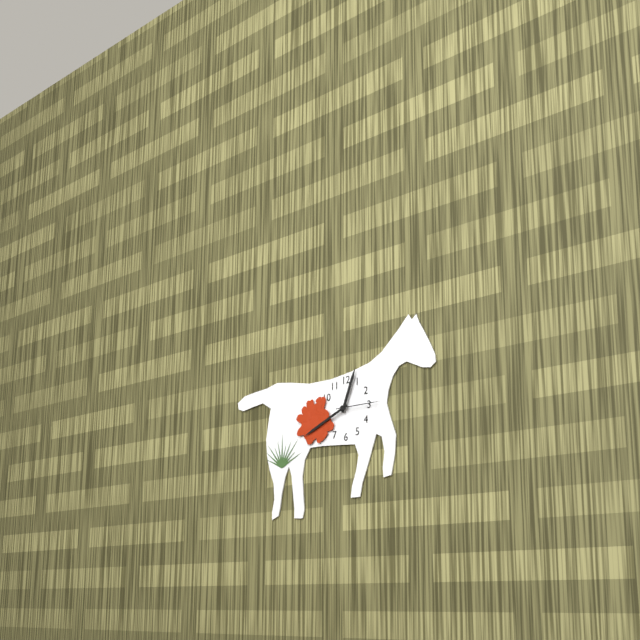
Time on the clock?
12:41
